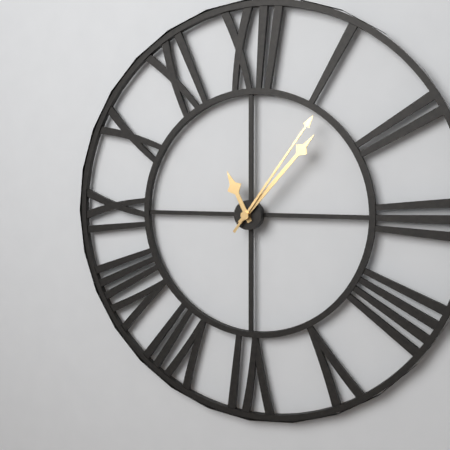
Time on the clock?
11:07:06
